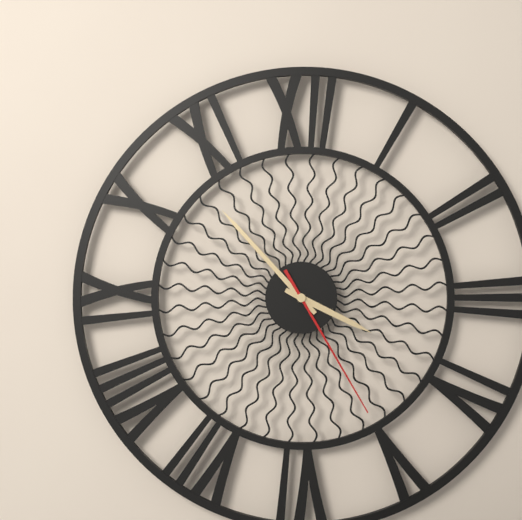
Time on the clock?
3:53:25
